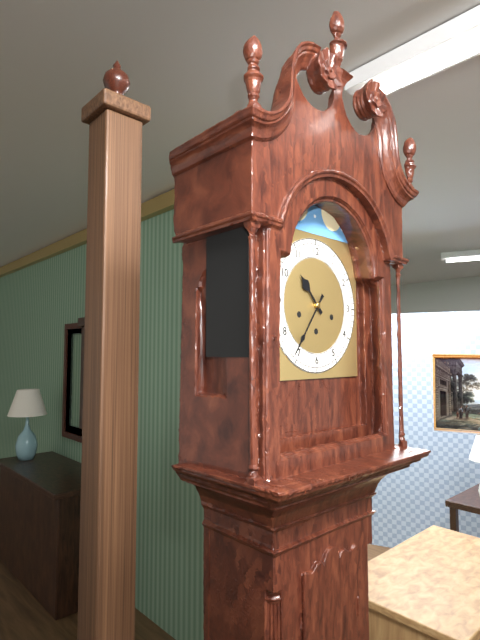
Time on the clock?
10:36
